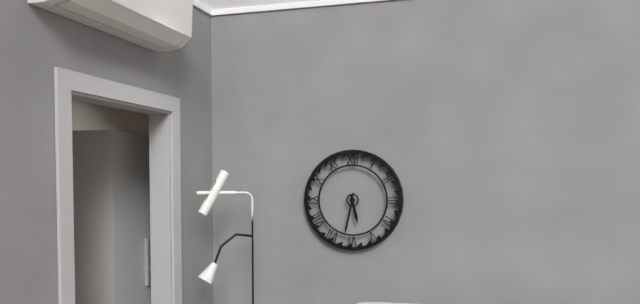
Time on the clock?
5:32
